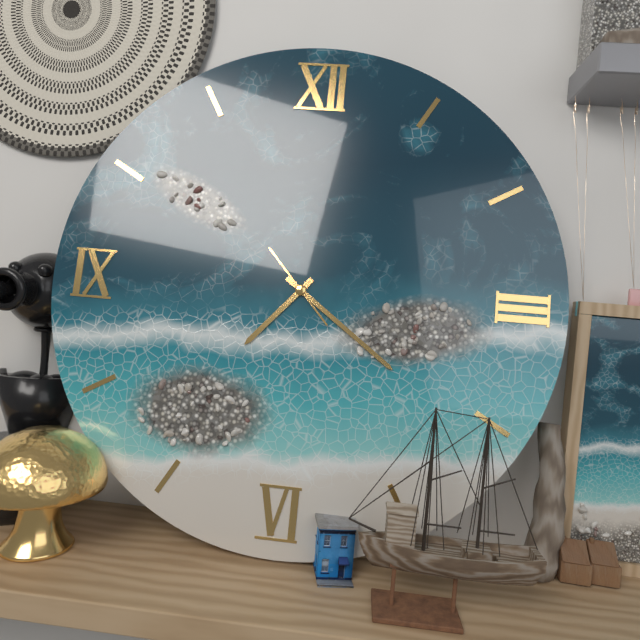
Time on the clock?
7:21:53
